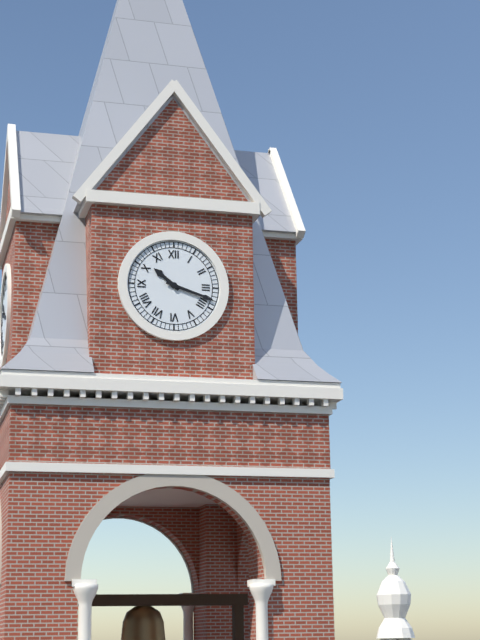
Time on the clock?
10:18
